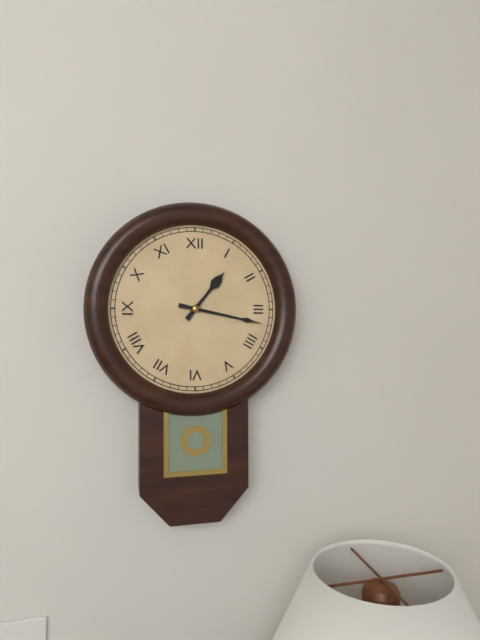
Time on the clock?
1:17
